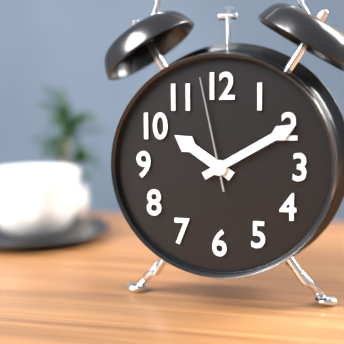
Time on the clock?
10:10:58
